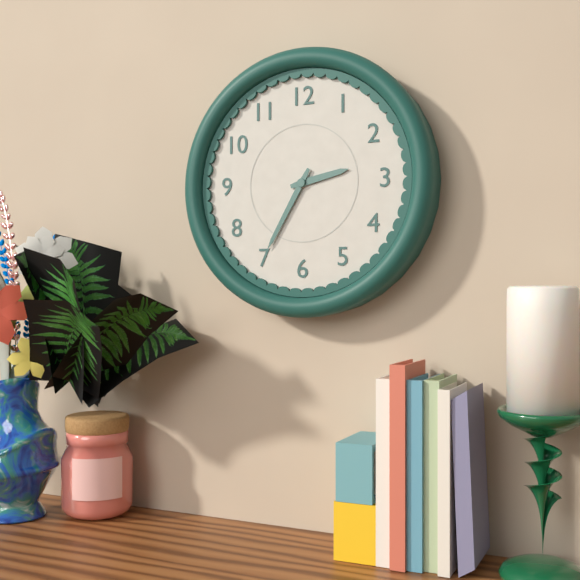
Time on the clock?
2:35
